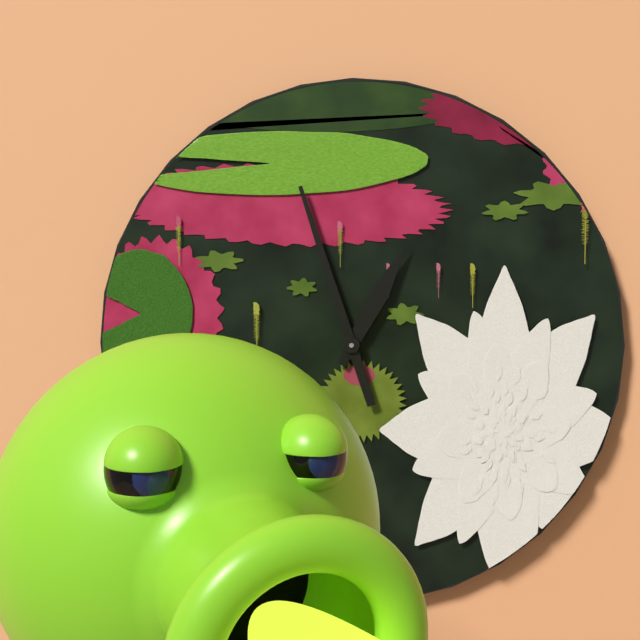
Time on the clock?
12:57
